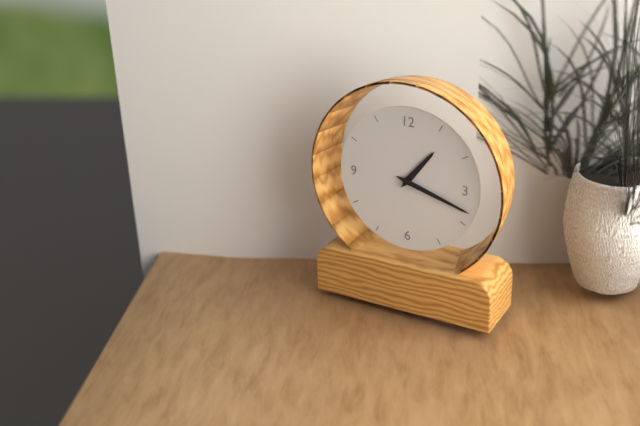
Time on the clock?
1:18
